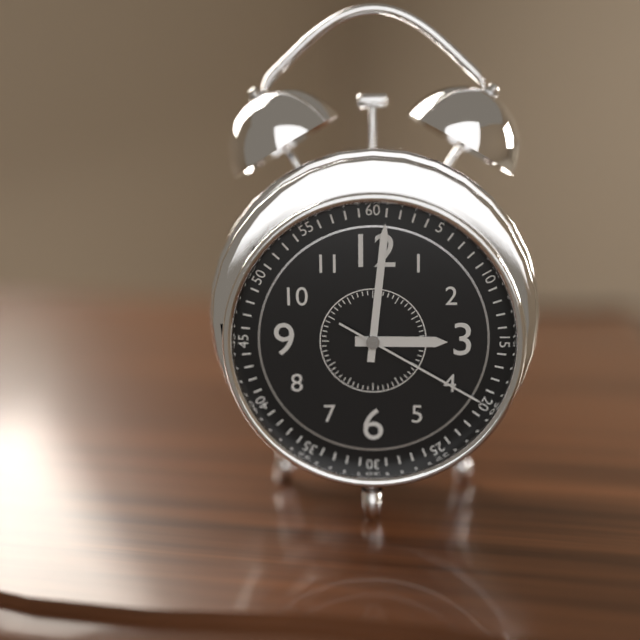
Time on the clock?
3:01:20
